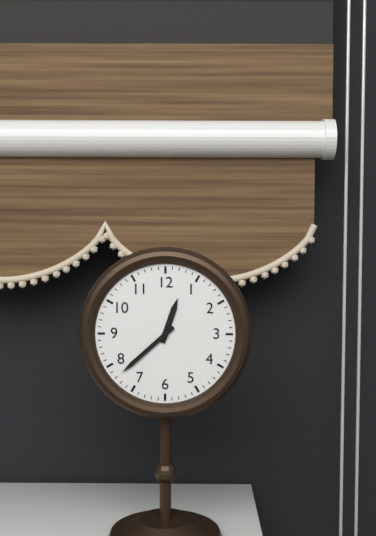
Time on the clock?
12:38
